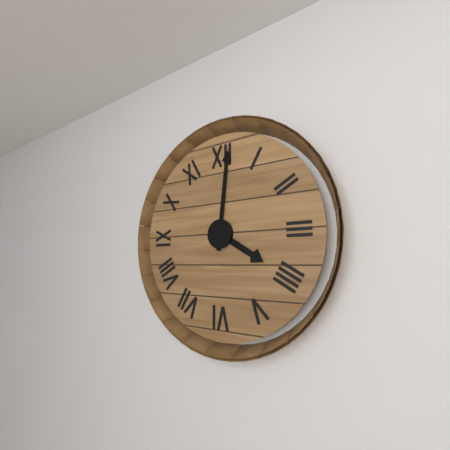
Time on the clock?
4:01
